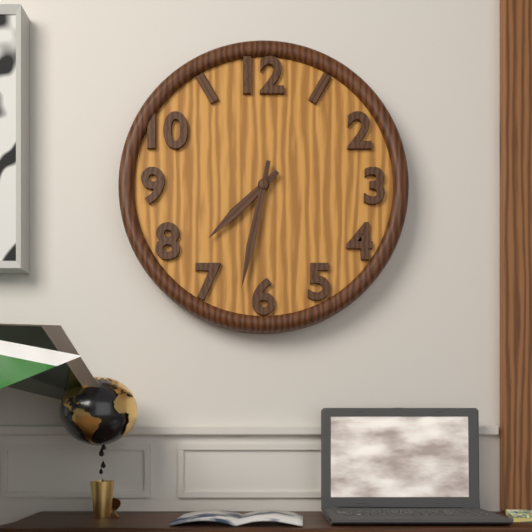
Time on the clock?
7:32
